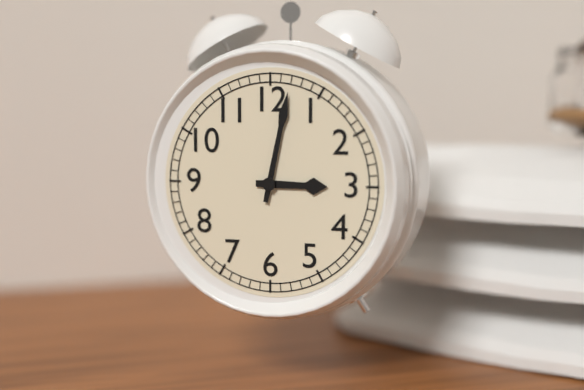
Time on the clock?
3:02
